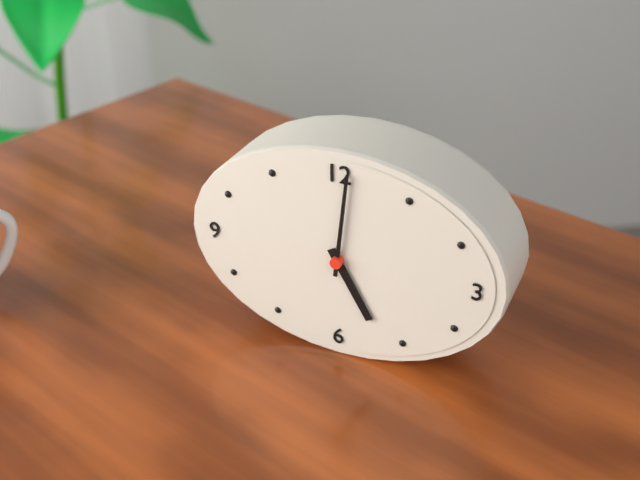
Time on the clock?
5:01
